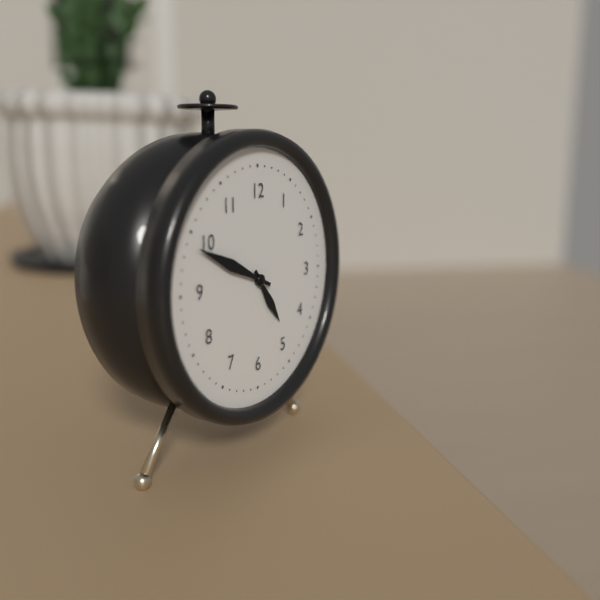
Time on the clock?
4:49
